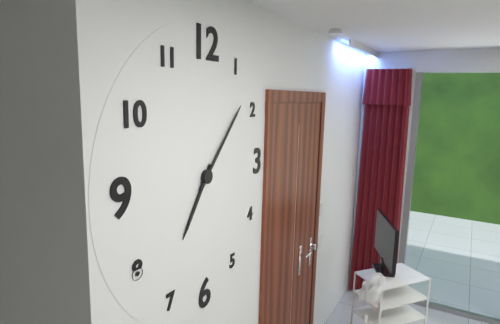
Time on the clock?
7:07
